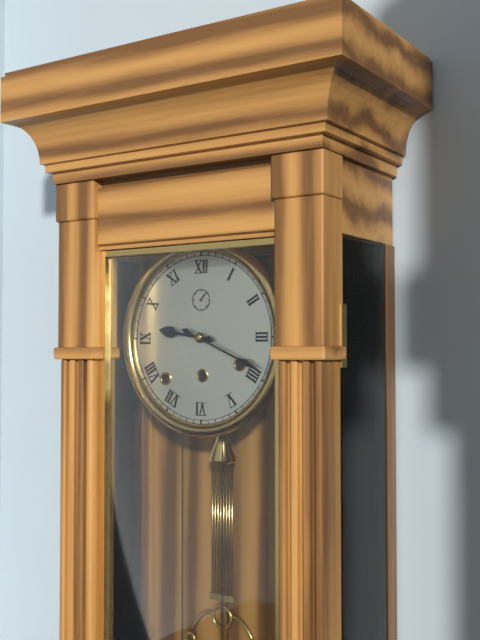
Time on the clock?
9:19
